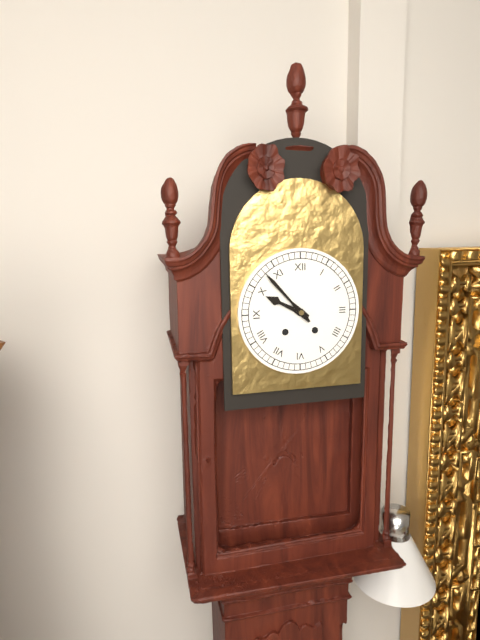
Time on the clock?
9:53
